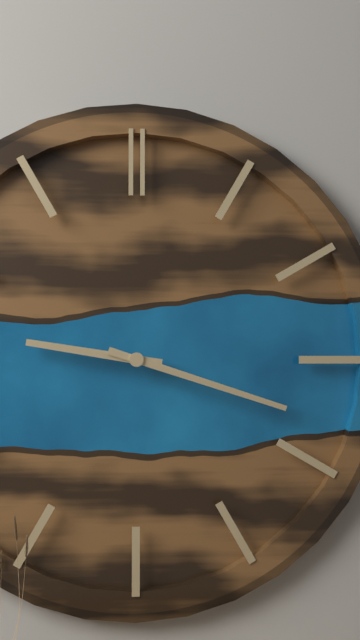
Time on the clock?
9:18
